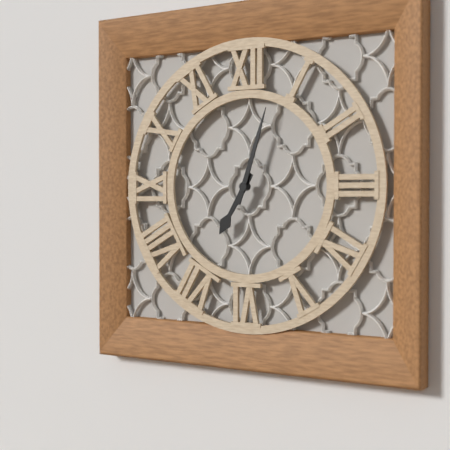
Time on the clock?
7:03
